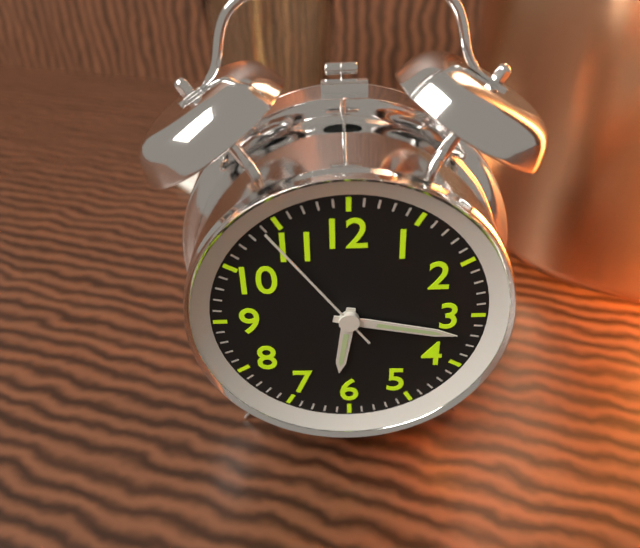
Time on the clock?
6:17:54
